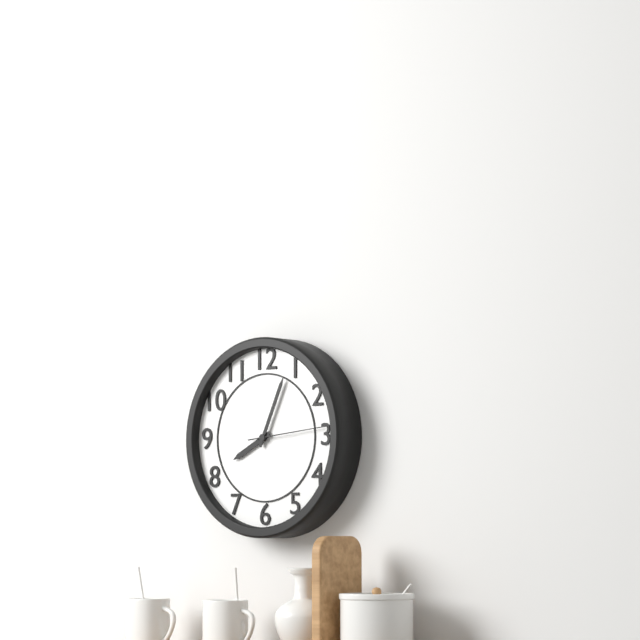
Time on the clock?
8:04:14
